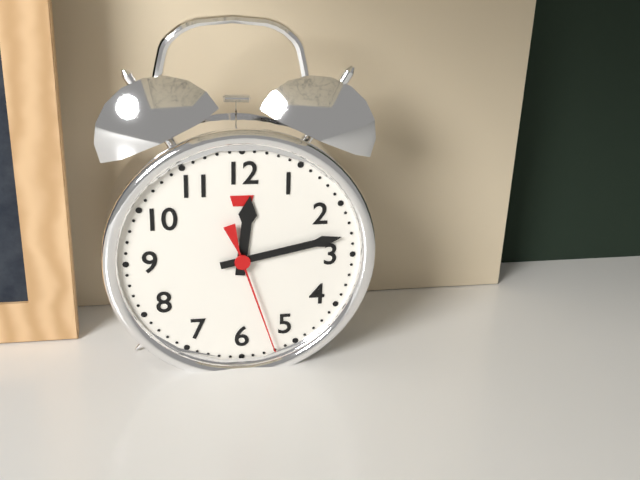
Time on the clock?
12:13:27
